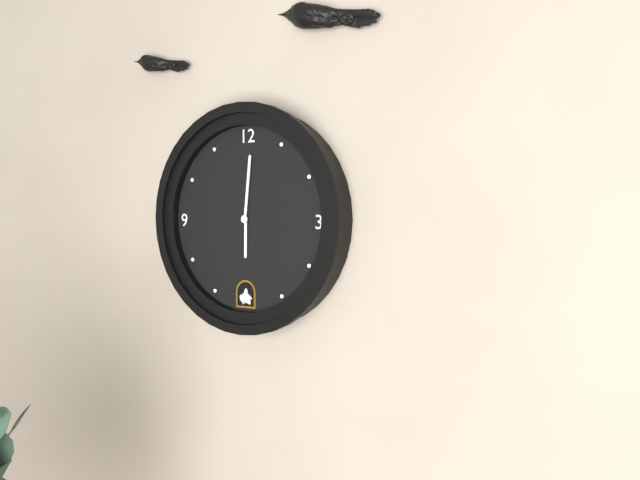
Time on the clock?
6:01
